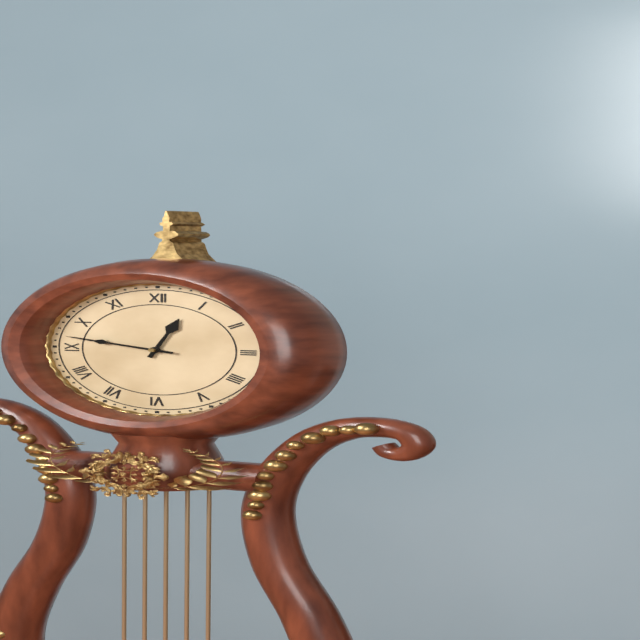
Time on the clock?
12:47
